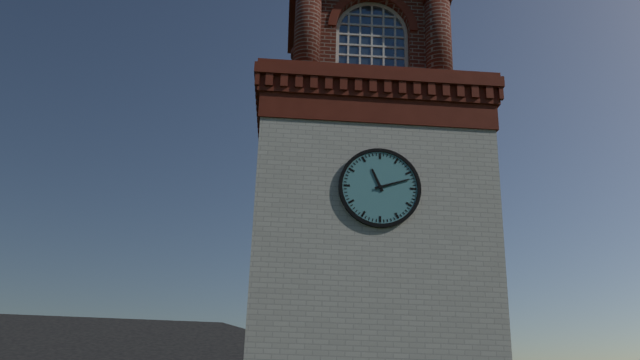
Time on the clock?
11:12
